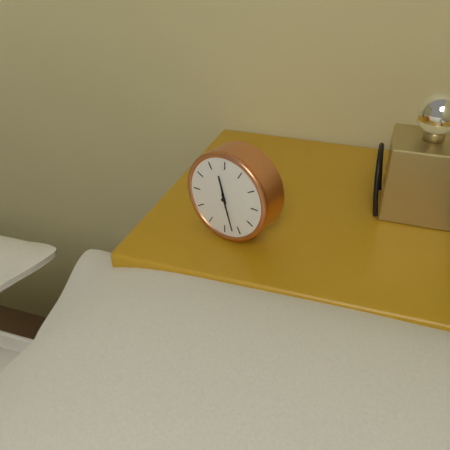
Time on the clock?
11:27
